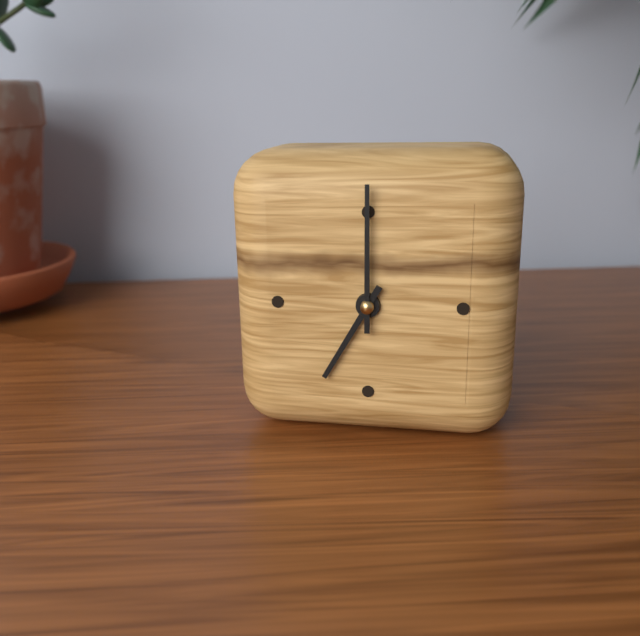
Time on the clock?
7:00
